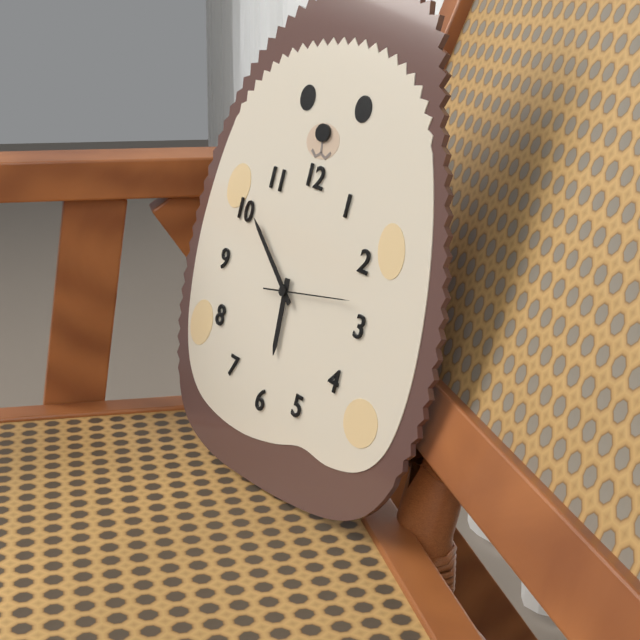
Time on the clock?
5:51:13
